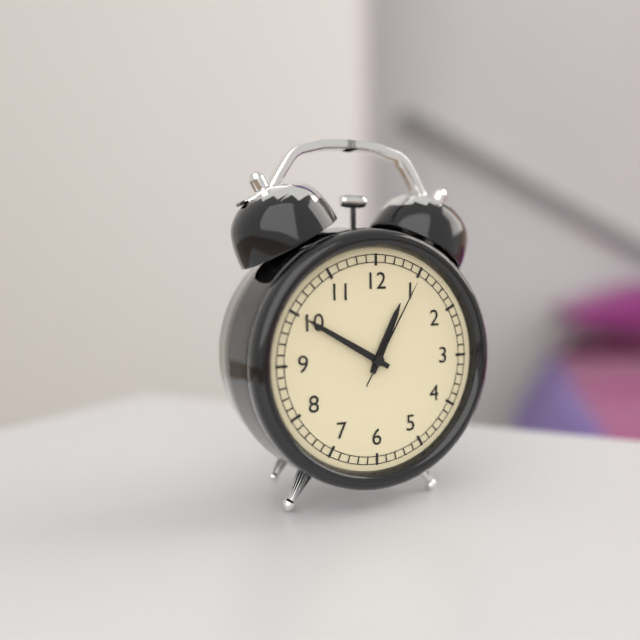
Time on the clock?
12:50:05
